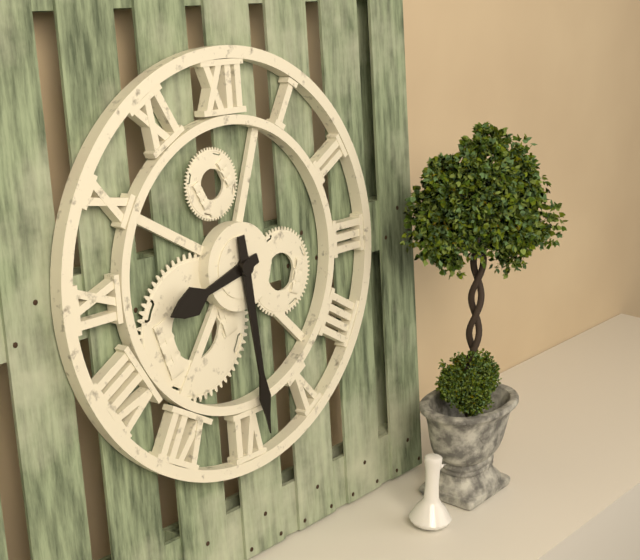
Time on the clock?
8:29
